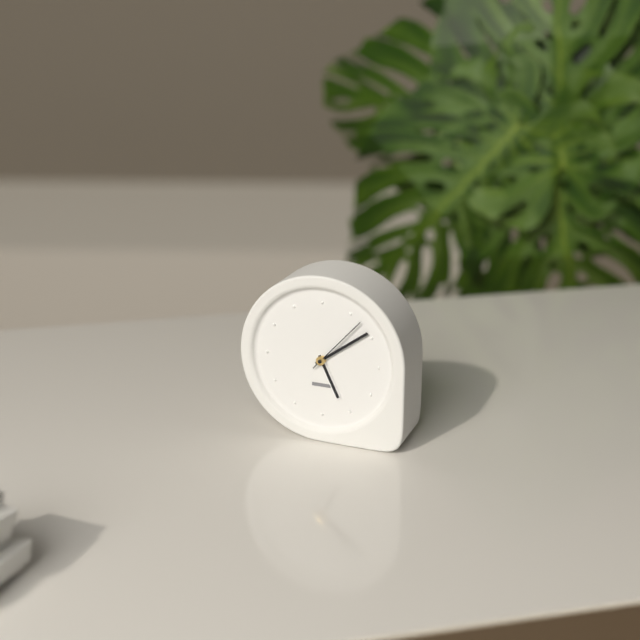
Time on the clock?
5:09:07
